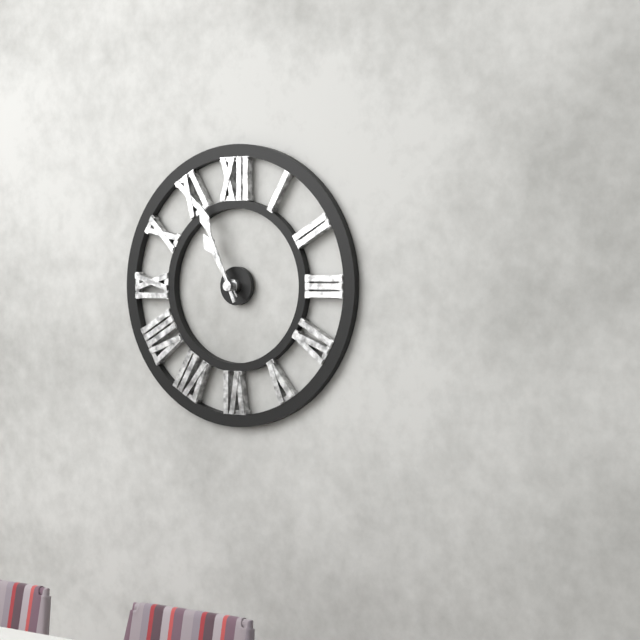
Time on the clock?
10:56
